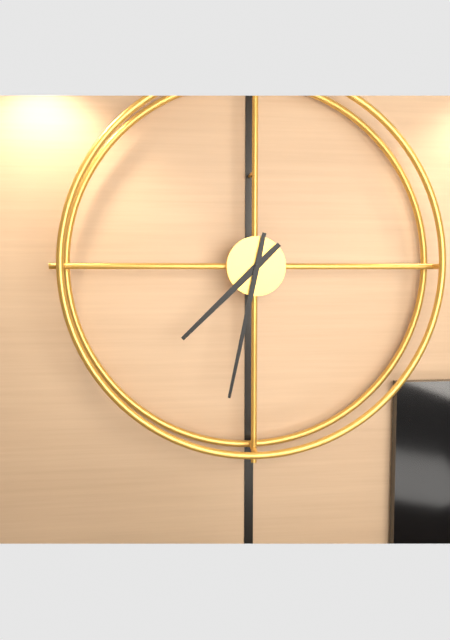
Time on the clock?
7:32
